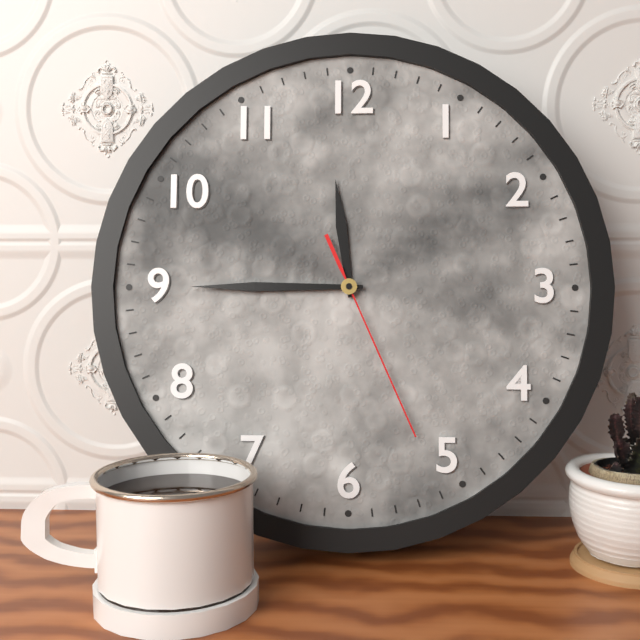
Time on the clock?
11:45:26
